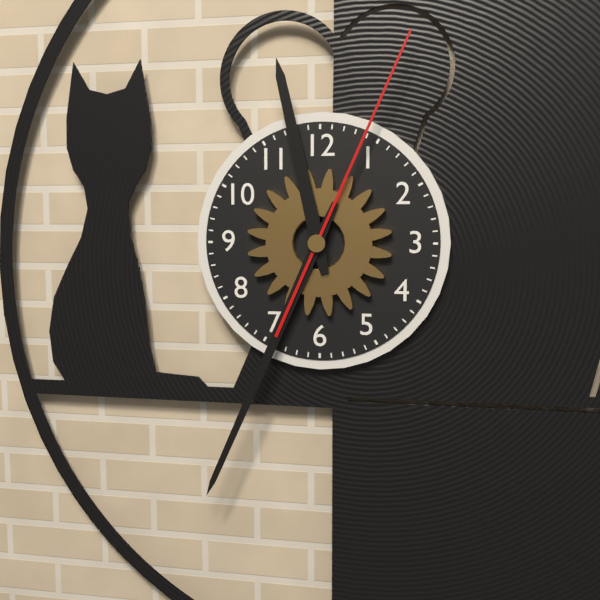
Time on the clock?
11:34:04
